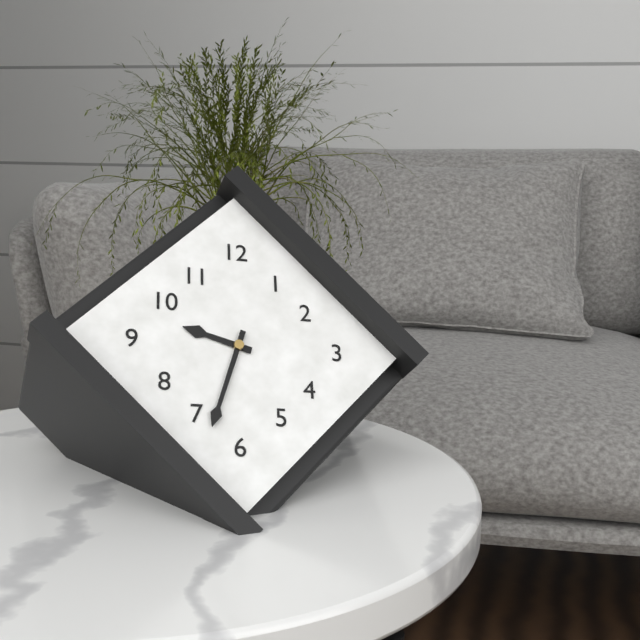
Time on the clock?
9:33
